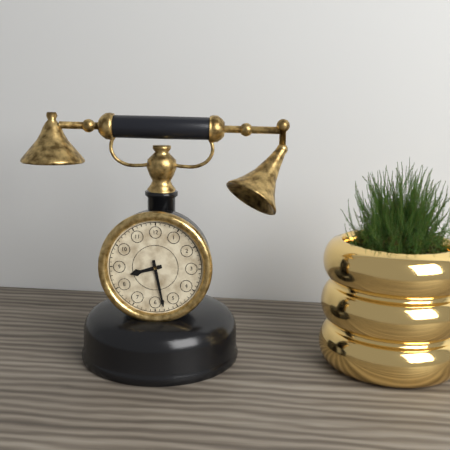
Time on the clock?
8:28
